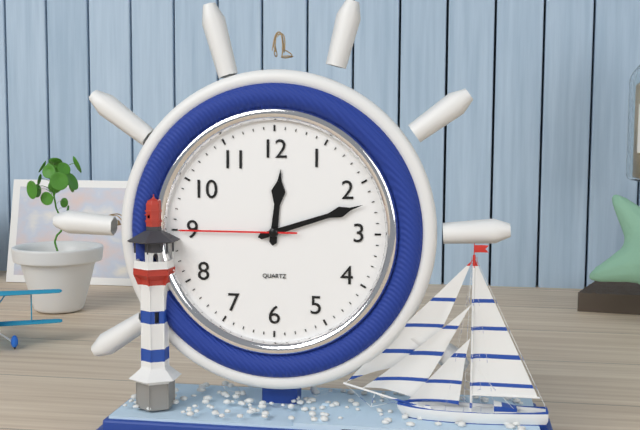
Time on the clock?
12:12:45
